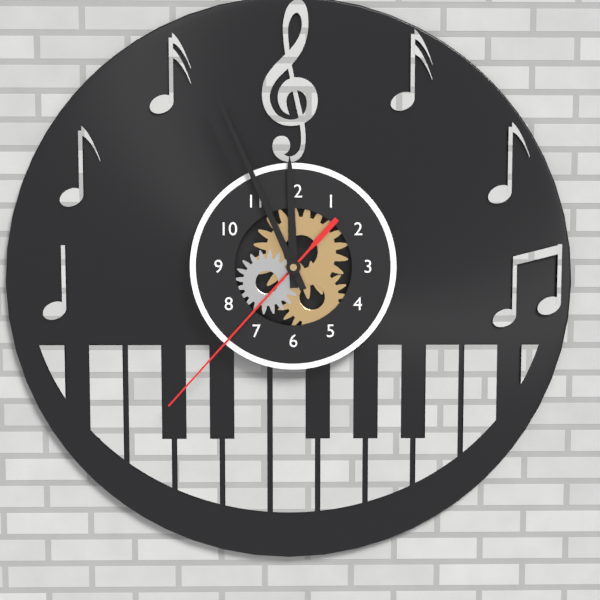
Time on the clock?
11:56:37
